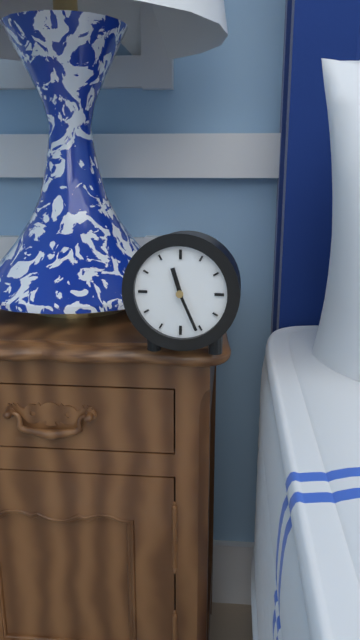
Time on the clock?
11:26
